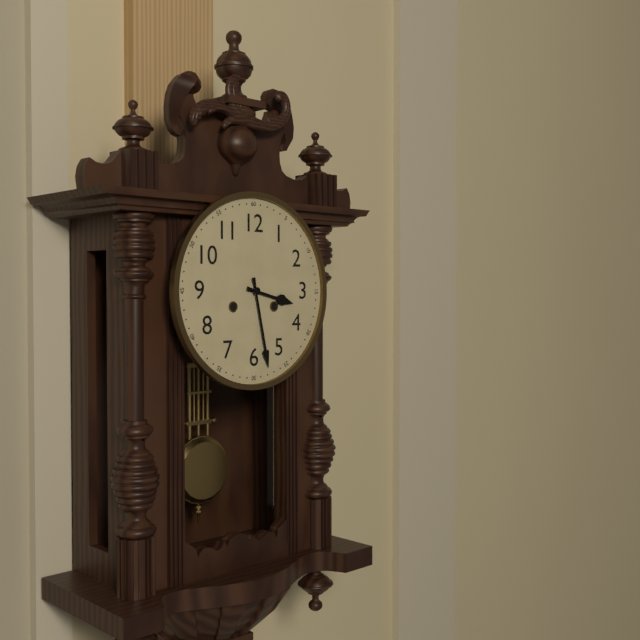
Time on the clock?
3:28
